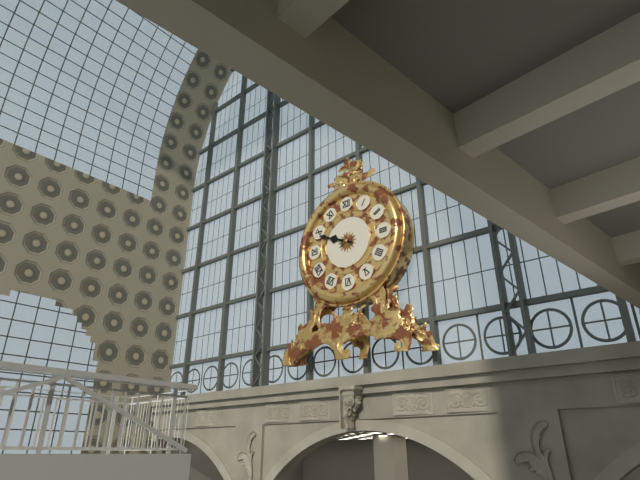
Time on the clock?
9:49
